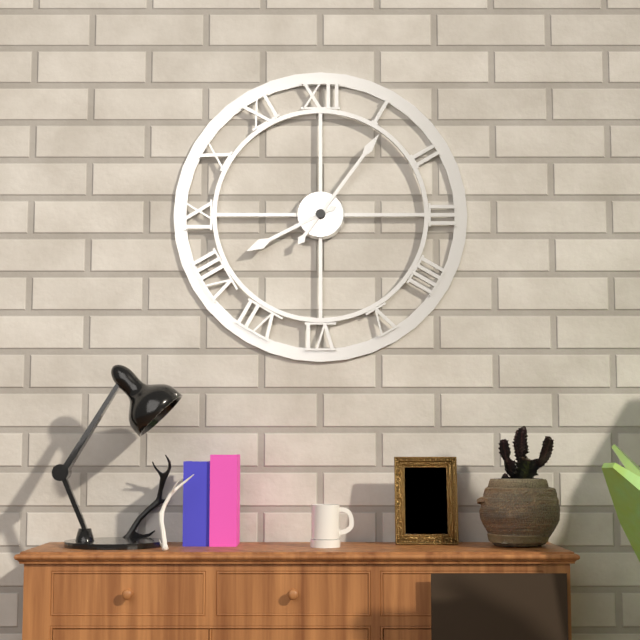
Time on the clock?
8:06
